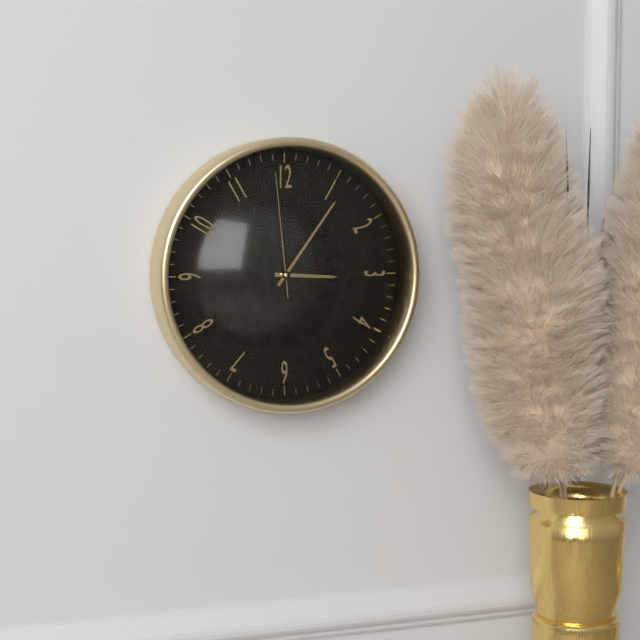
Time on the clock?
3:06:59
